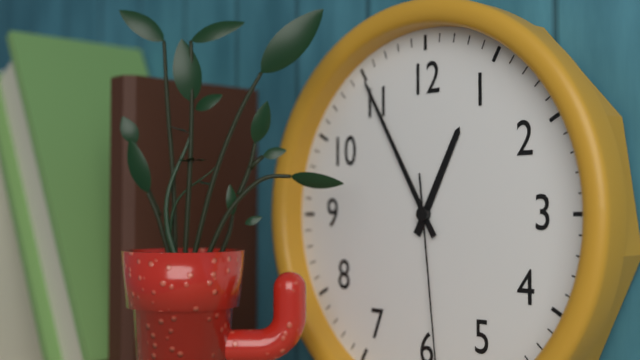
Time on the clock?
12:55
